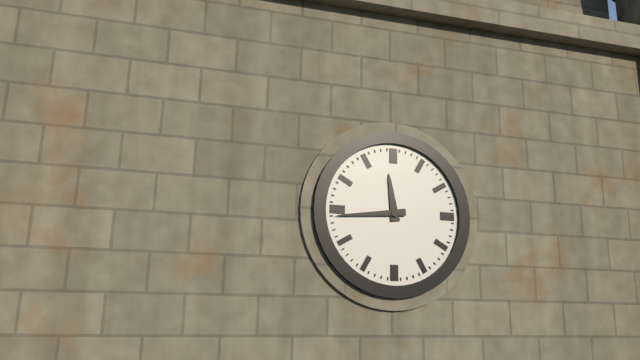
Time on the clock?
11:44
